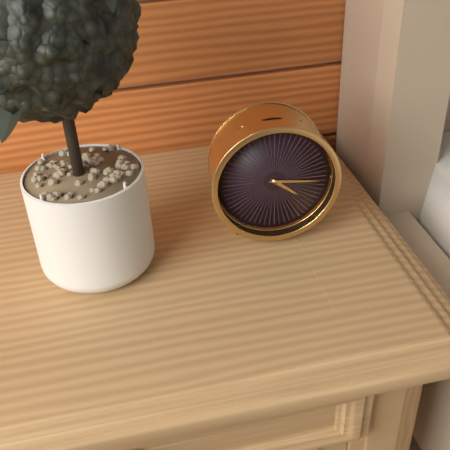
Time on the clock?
4:16
